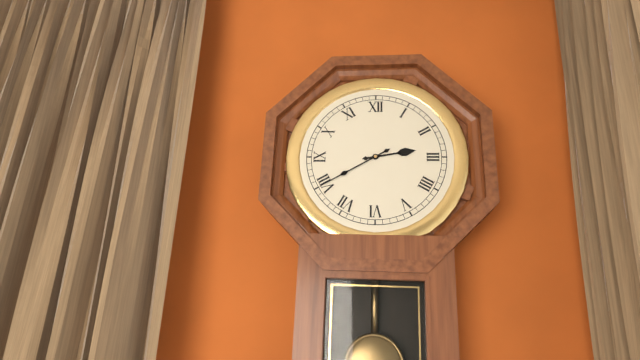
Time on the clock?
2:40
